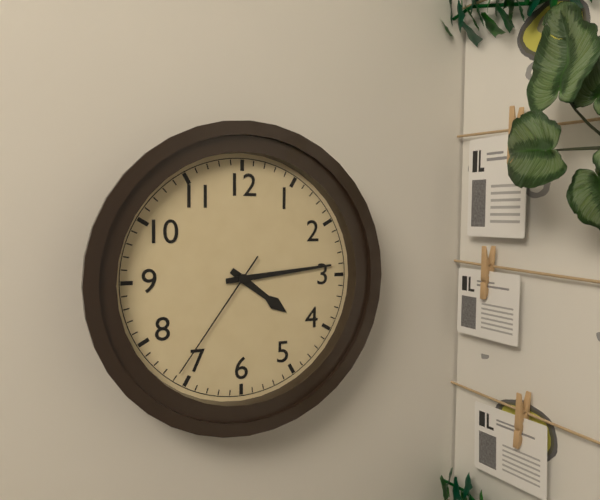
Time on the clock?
4:14:36
